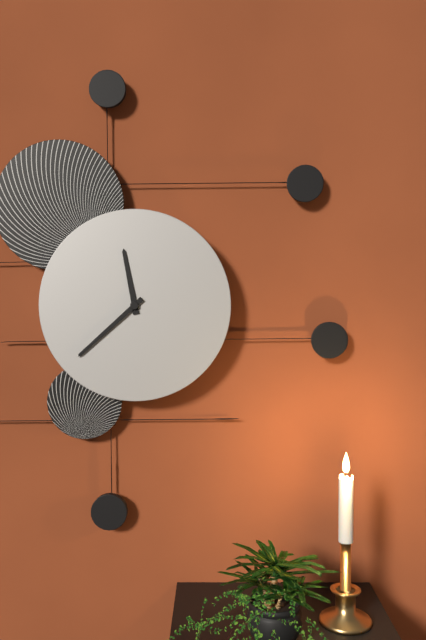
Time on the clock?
11:38
